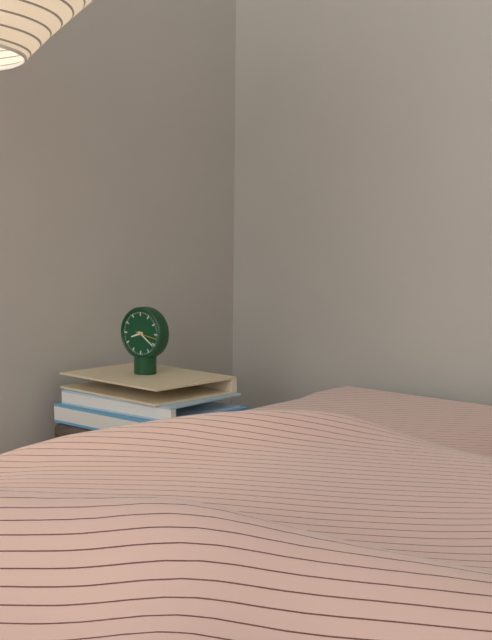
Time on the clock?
8:21
